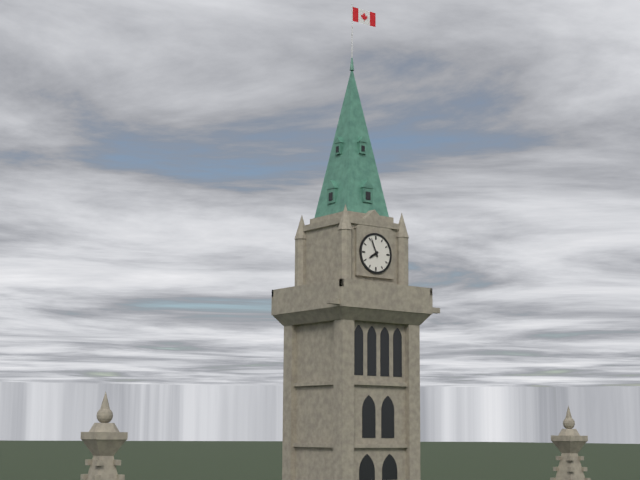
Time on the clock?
7:56
